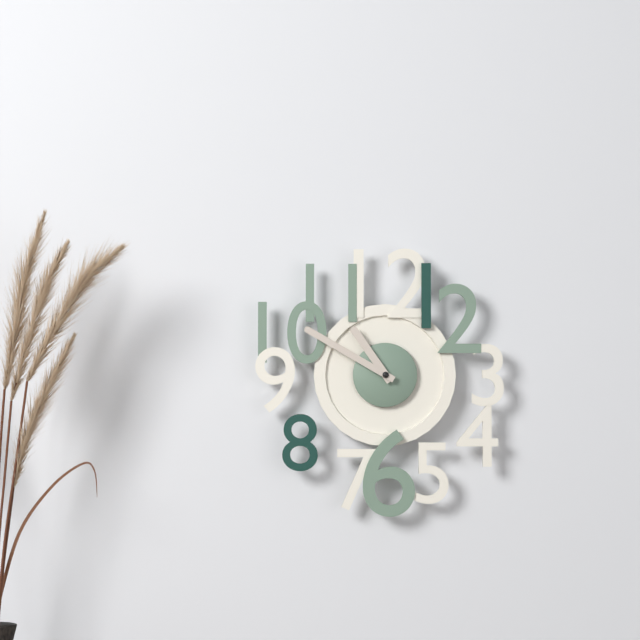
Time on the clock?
10:50
